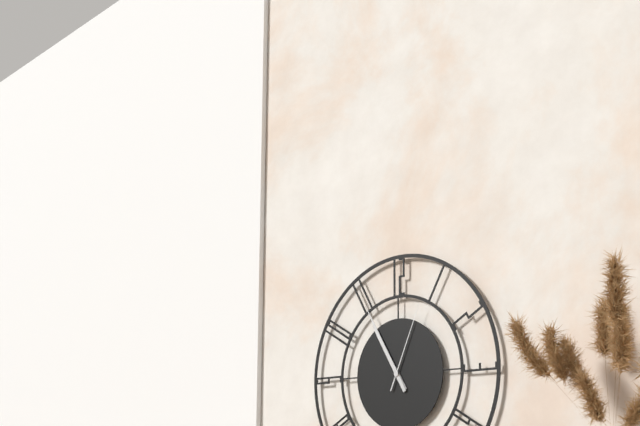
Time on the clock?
10:55:04
